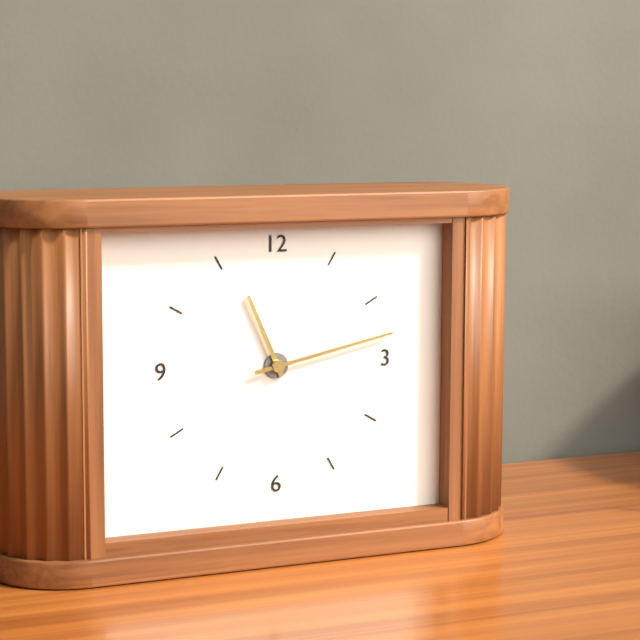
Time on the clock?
11:13
